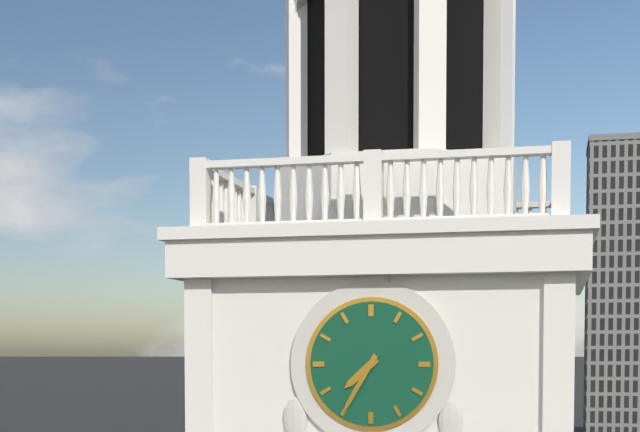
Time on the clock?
7:35
